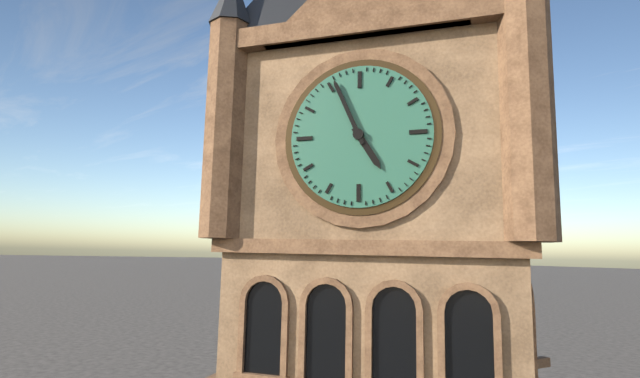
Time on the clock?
4:56
